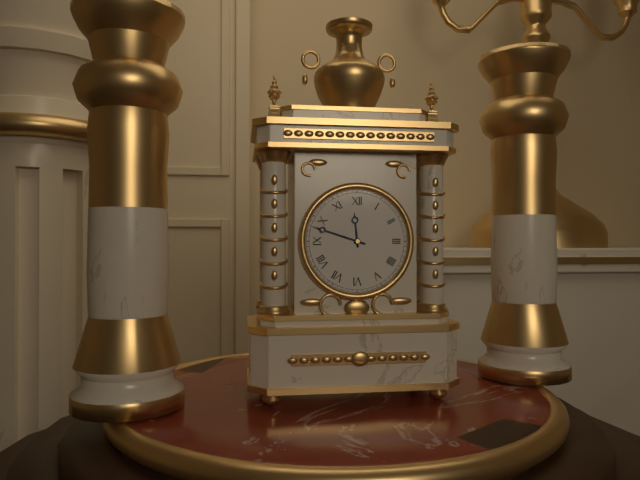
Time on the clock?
11:48
